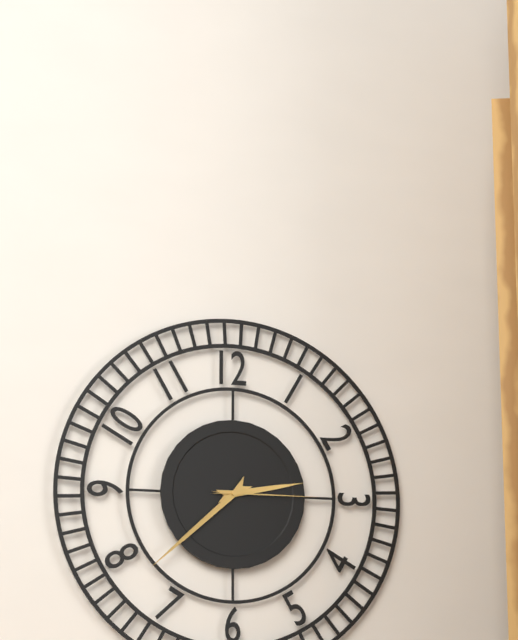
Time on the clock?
2:38:15
